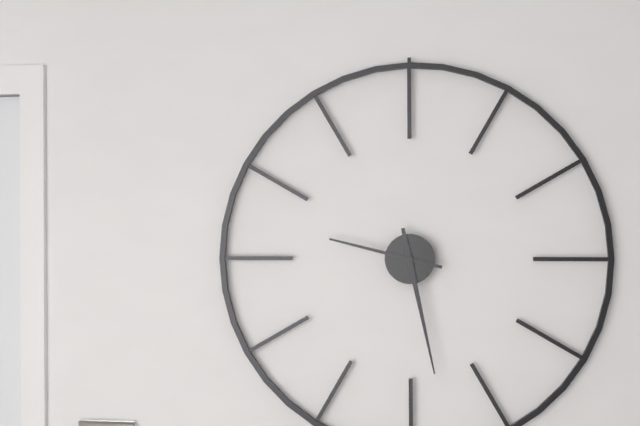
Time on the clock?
9:28
